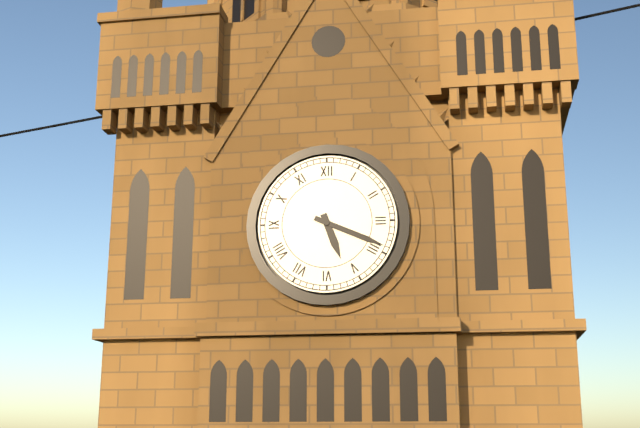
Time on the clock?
5:19
